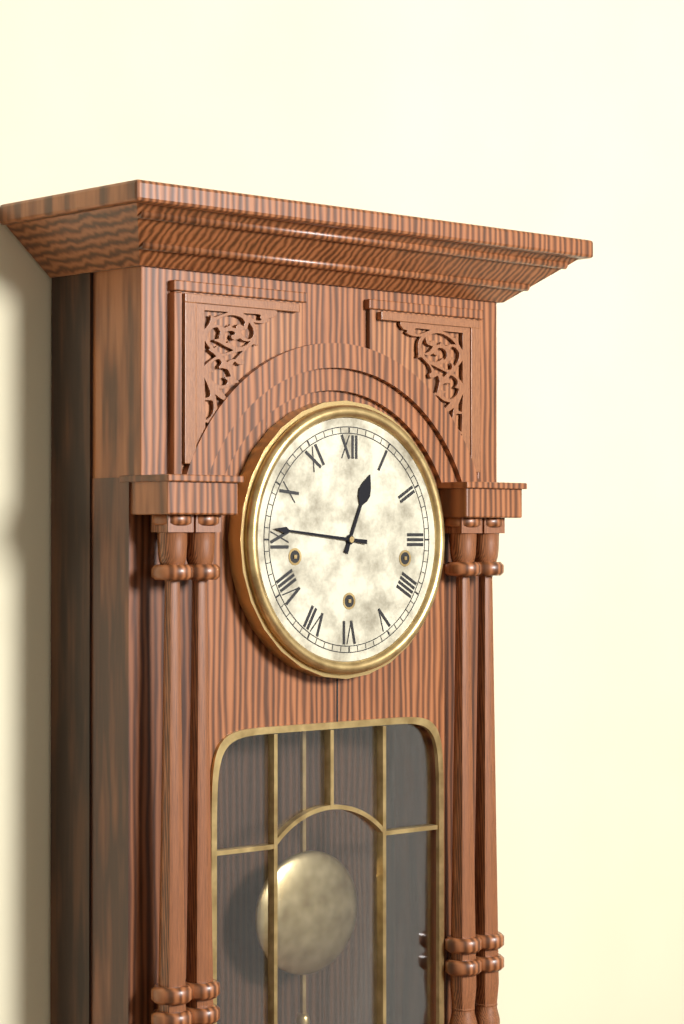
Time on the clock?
12:46
